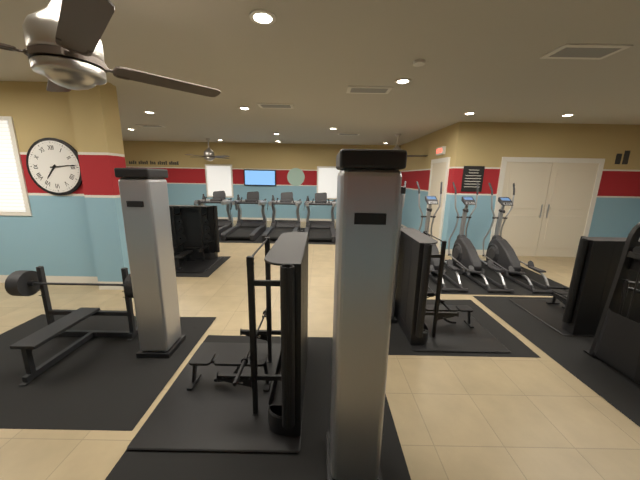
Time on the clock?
7:14
